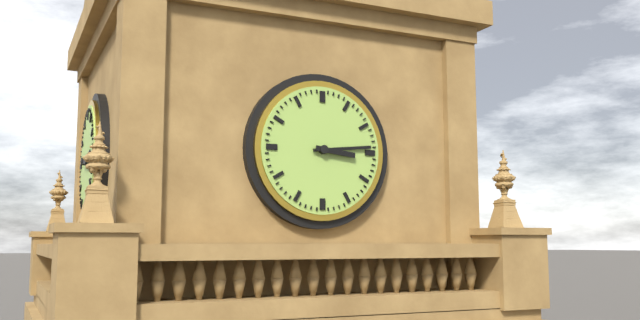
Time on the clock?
3:14
